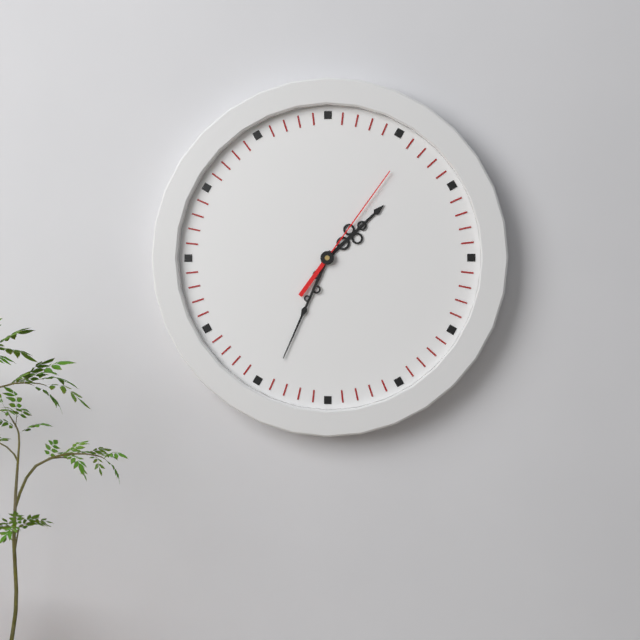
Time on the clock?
1:34:06
